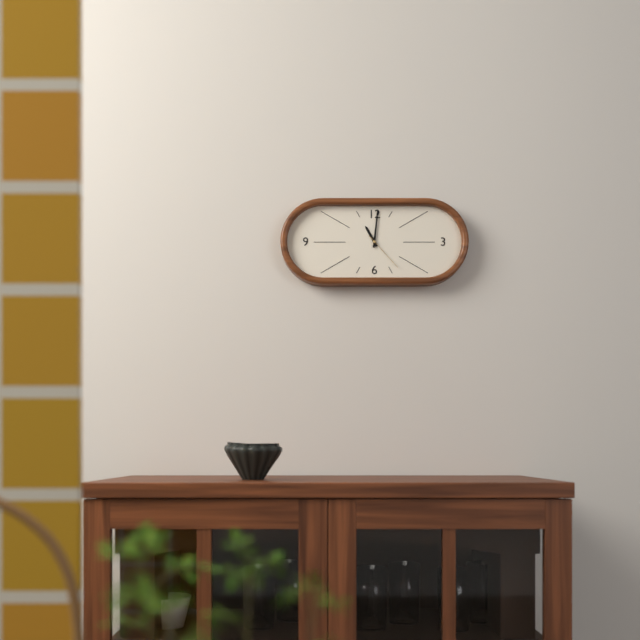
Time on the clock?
11:01
